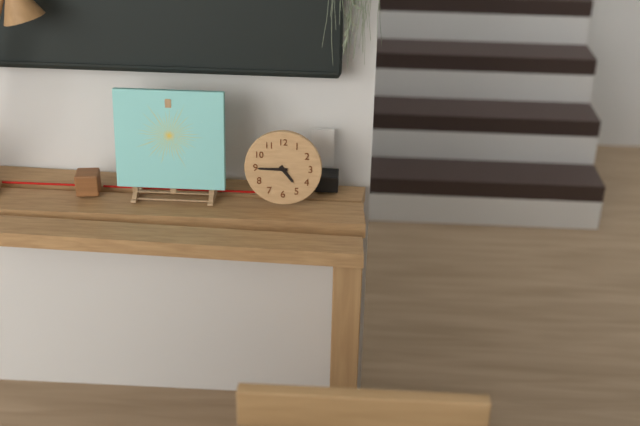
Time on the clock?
4:45
